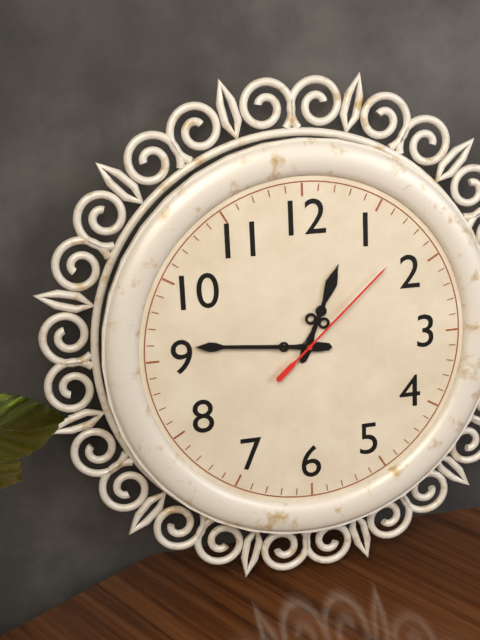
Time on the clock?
12:46:08
